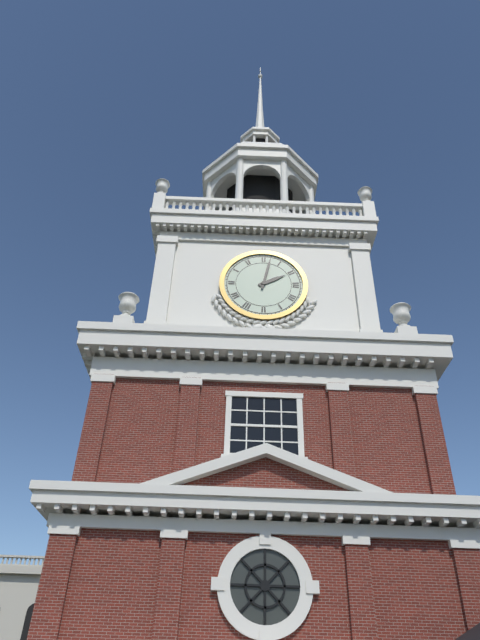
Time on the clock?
2:02
